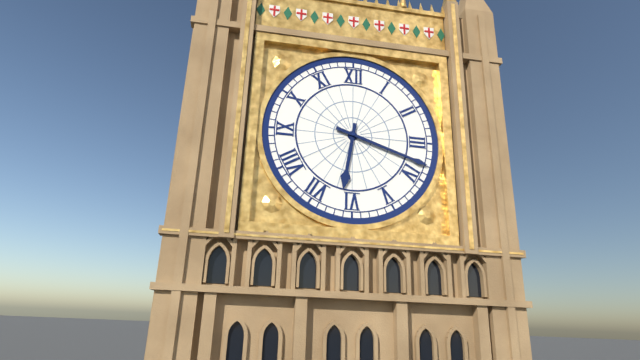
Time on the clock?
6:18
